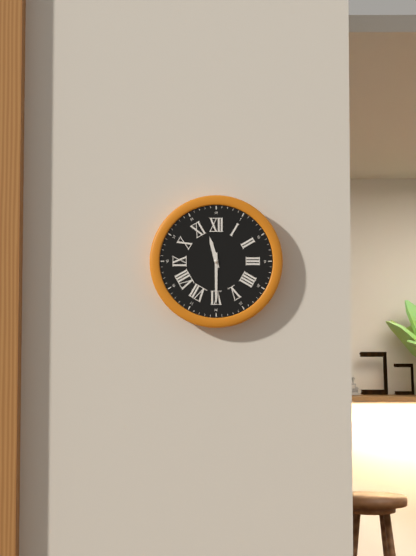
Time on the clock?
11:30
